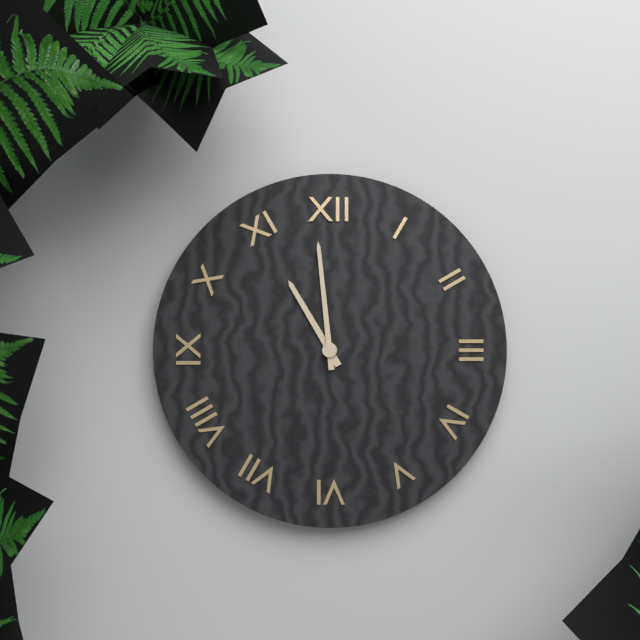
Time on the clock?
10:59
